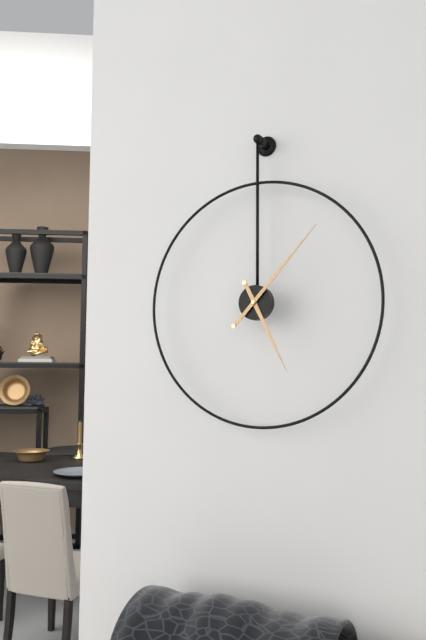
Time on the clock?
5:07
